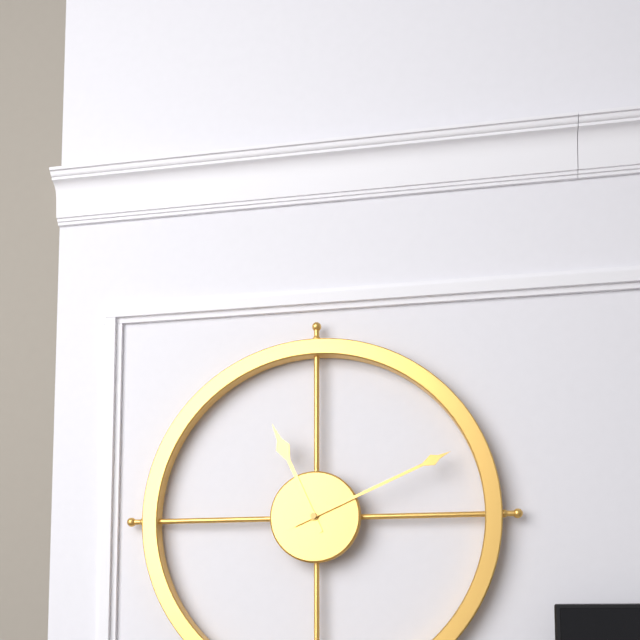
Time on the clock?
11:11
